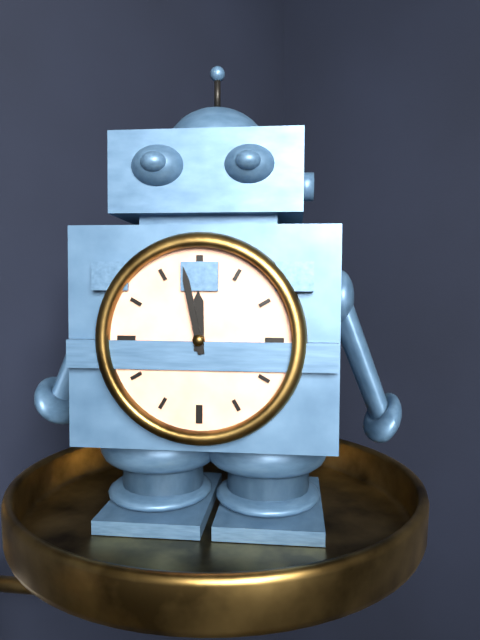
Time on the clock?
11:58
